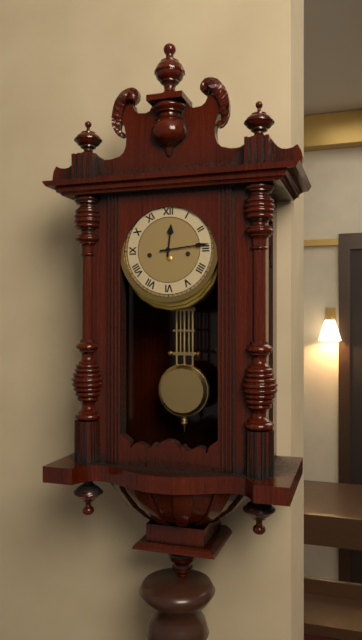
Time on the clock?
12:14
